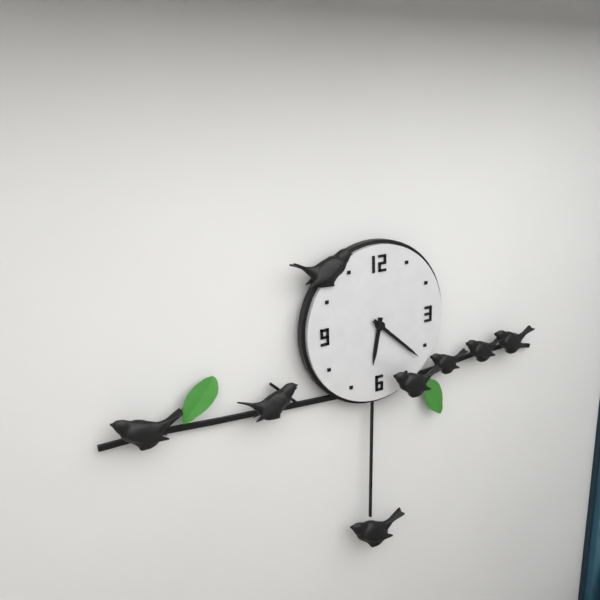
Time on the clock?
6:22
